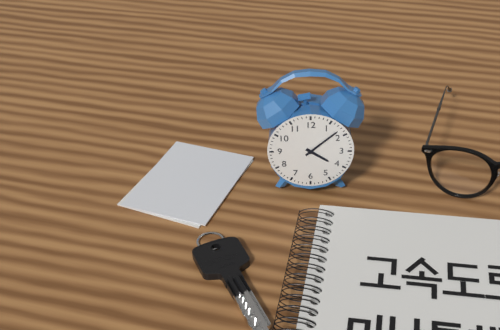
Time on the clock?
4:08
